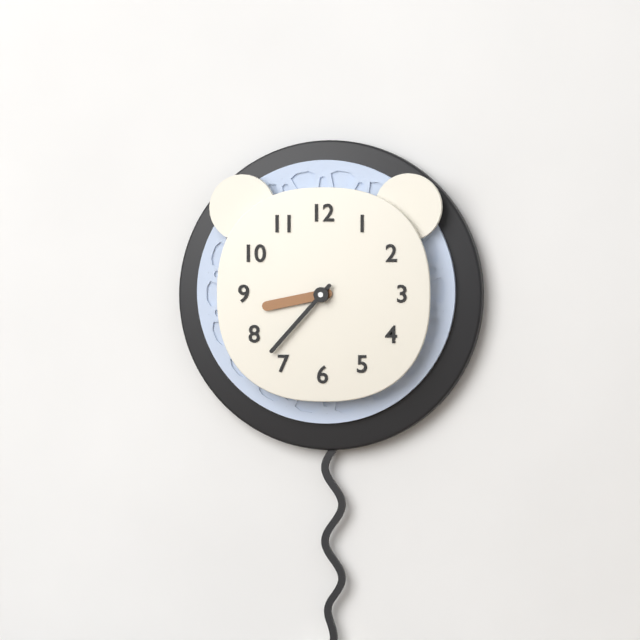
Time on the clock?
8:37
